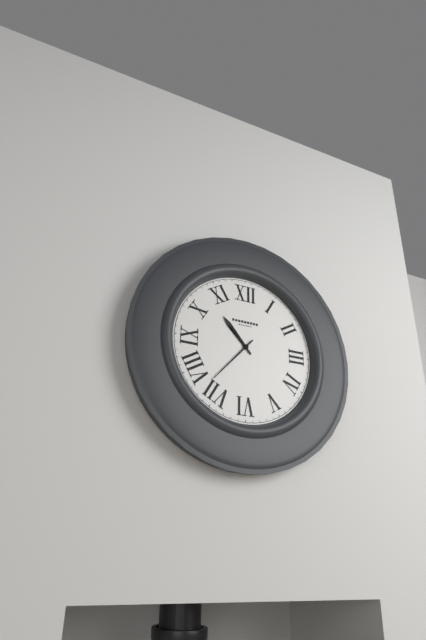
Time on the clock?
10:37
